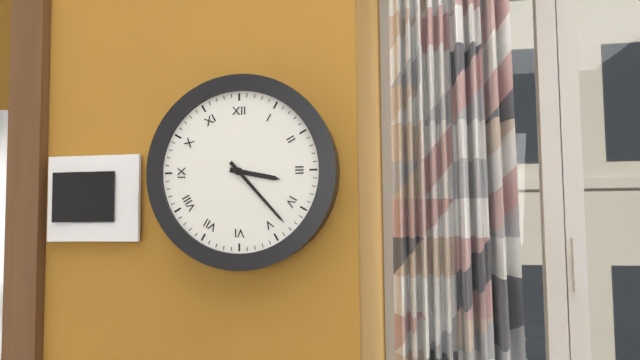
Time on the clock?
3:23
